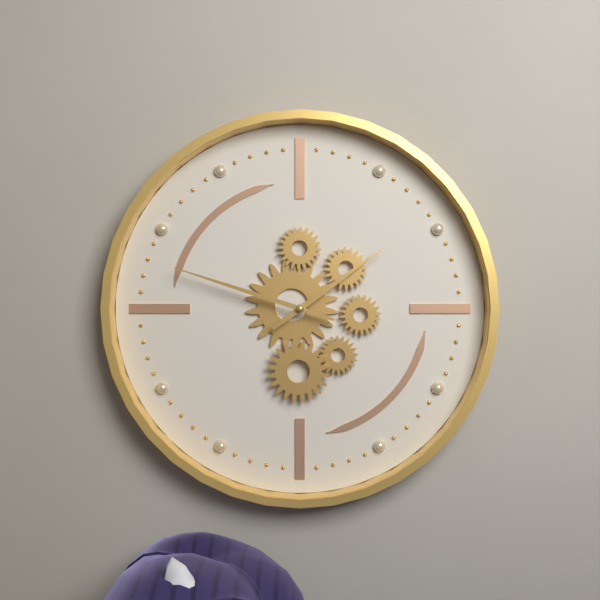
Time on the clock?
1:48
